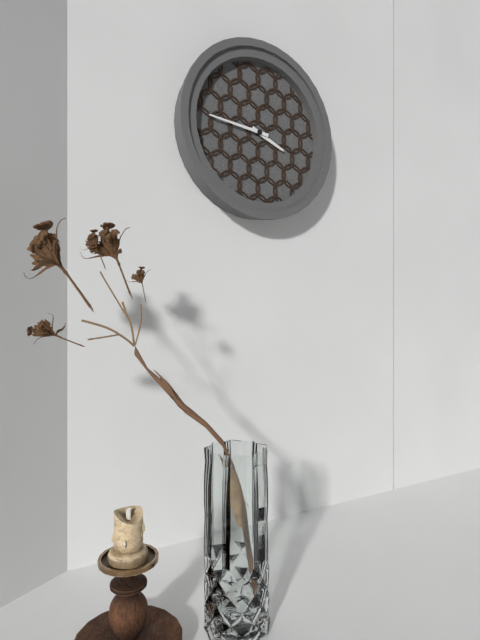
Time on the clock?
3:46
